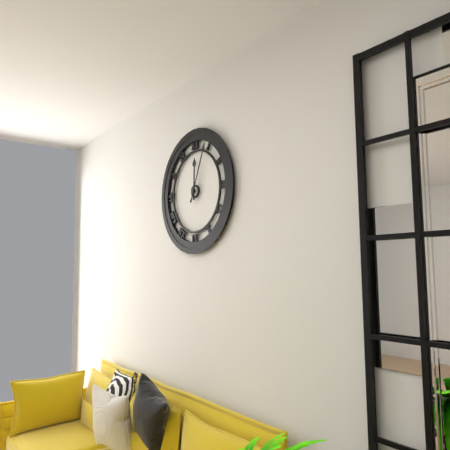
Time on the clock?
12:04
